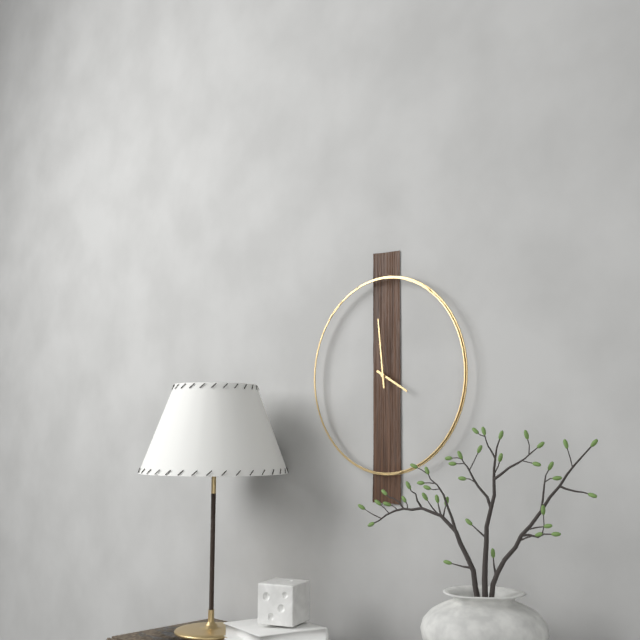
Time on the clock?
3:59
